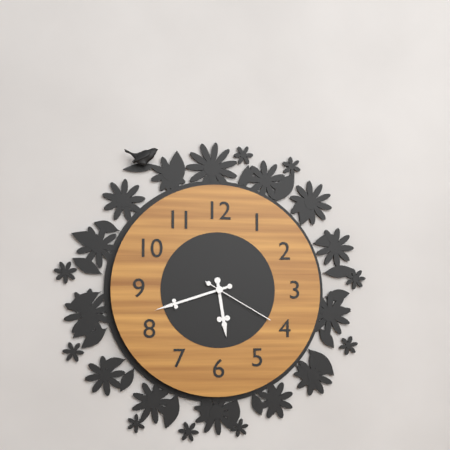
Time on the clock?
5:42:20
